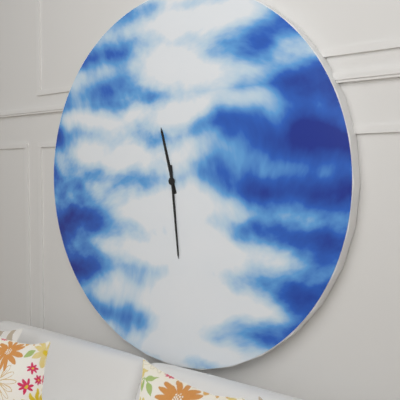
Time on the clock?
11:29
